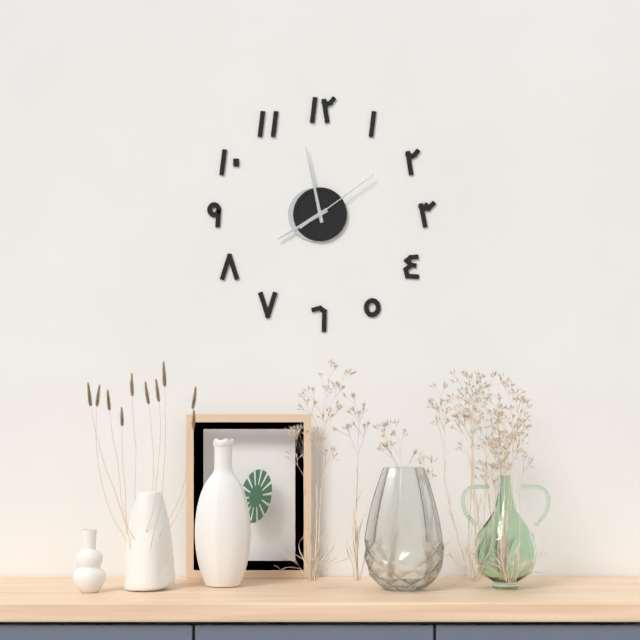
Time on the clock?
7:58:09
